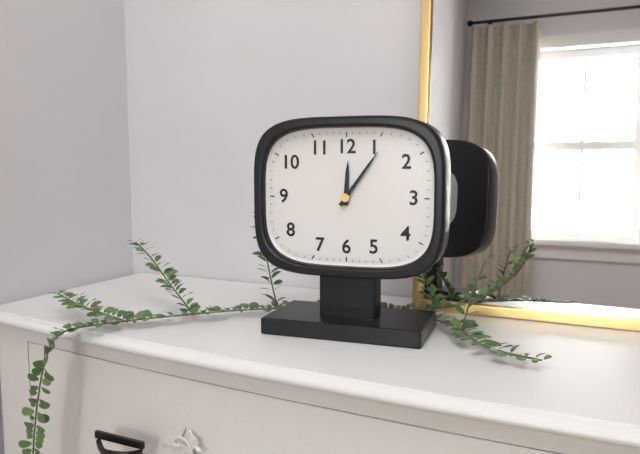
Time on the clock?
12:06
